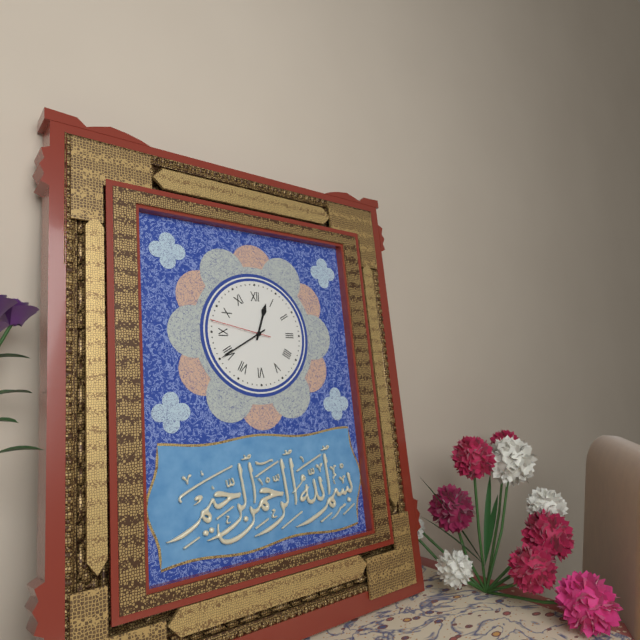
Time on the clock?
12:40:47
